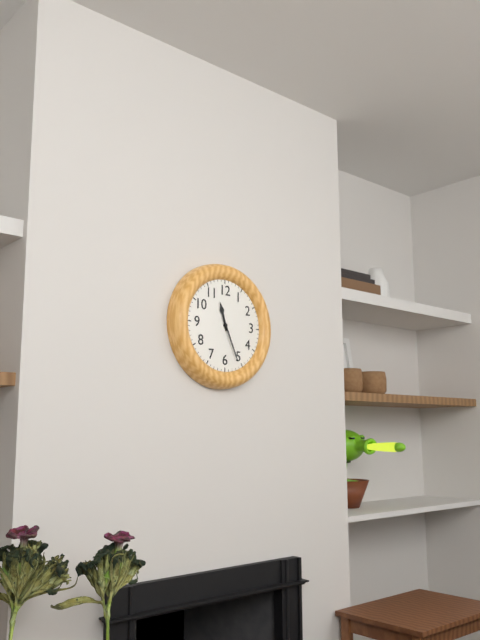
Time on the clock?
11:26
